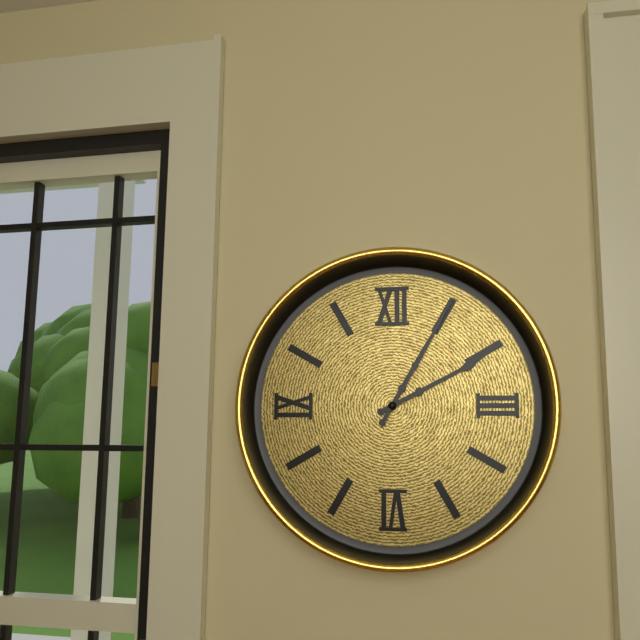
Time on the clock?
2:05
